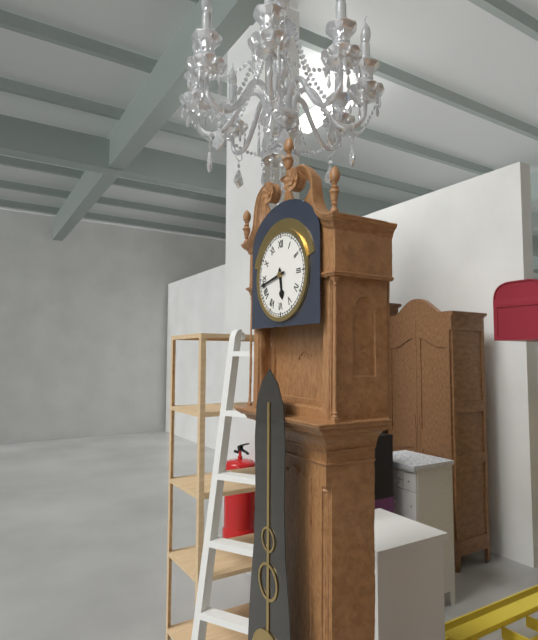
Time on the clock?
5:43
